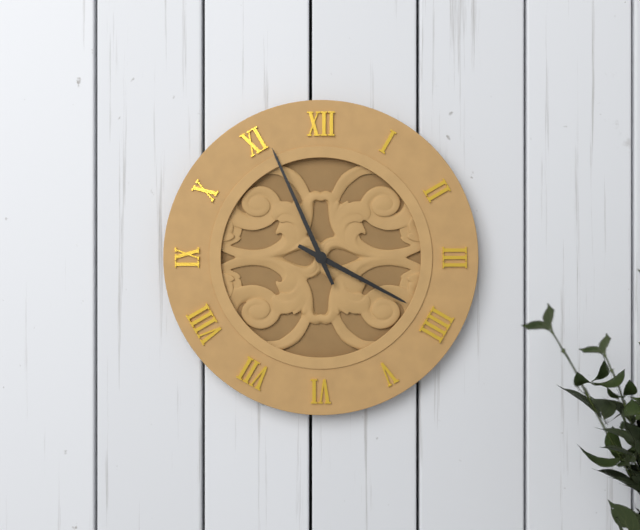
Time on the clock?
3:56
